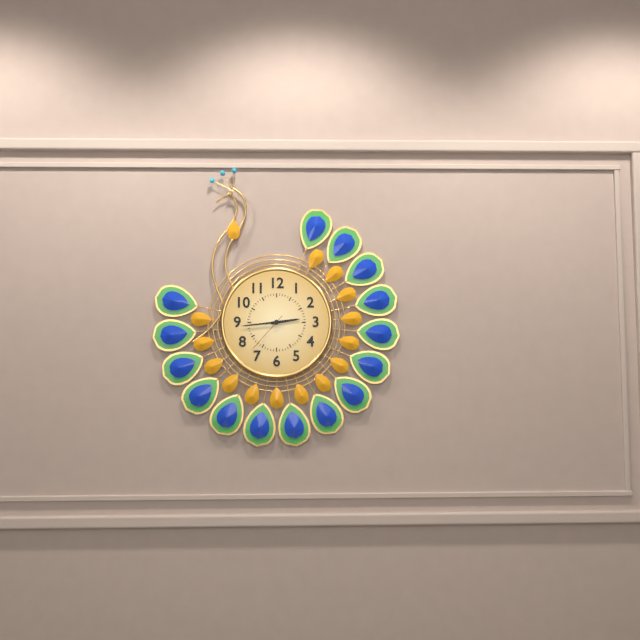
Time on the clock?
2:44
